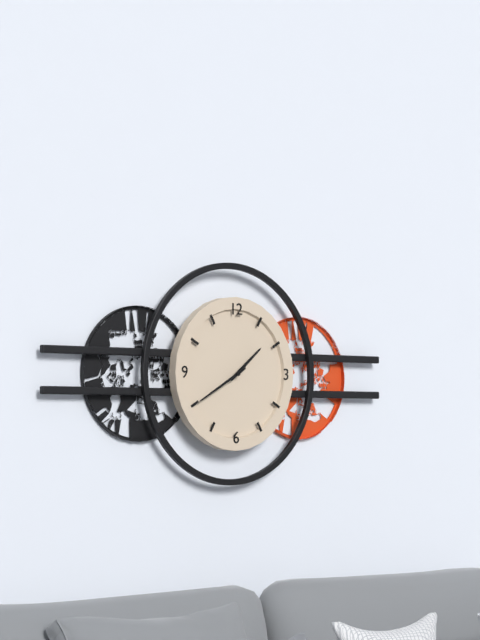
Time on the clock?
1:40
